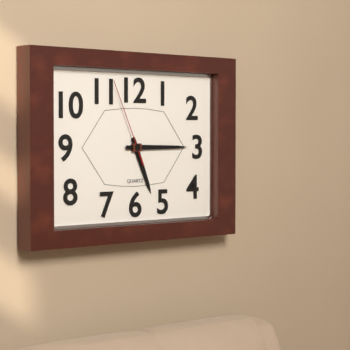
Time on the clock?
5:15:56
